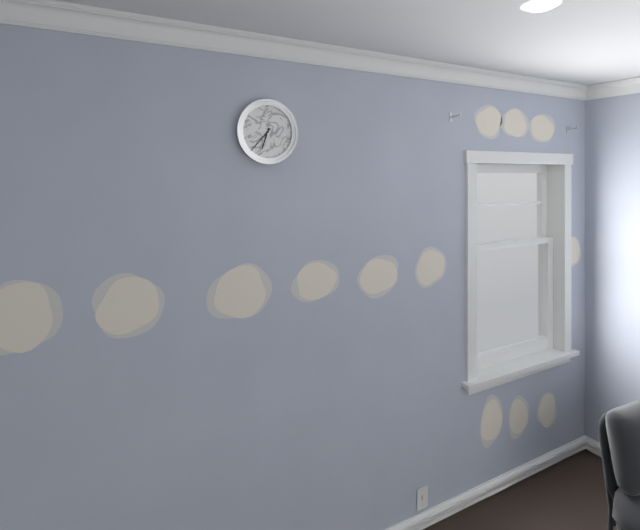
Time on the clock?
6:37
